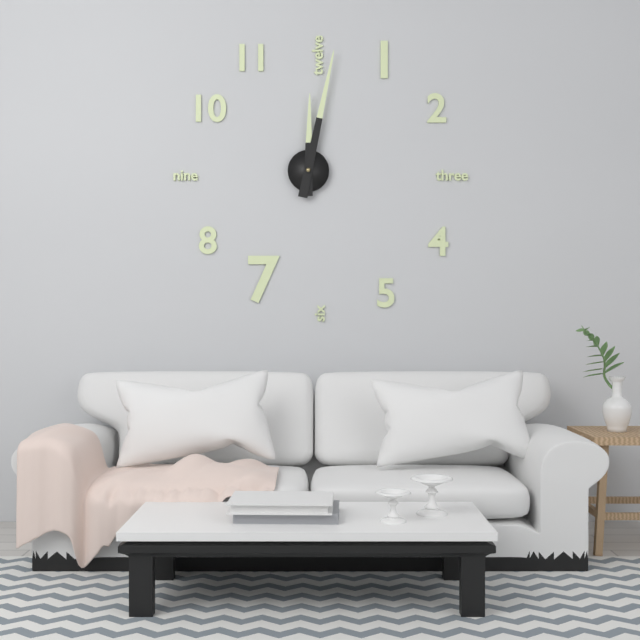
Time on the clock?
12:02
